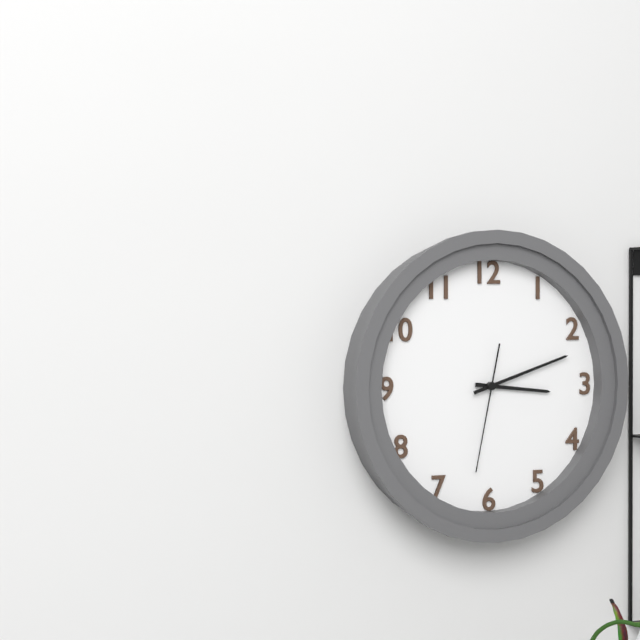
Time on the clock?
3:12:32
